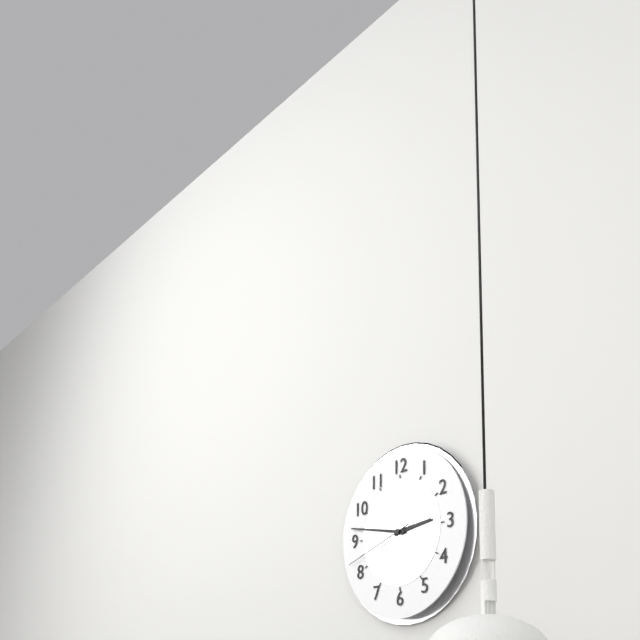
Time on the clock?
2:47:42
